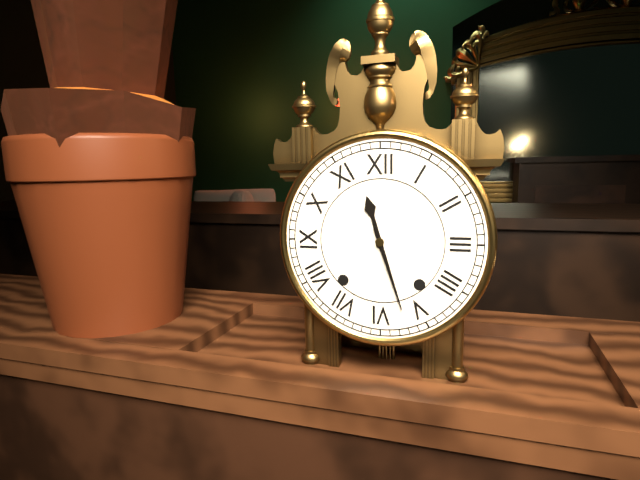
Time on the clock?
11:27
